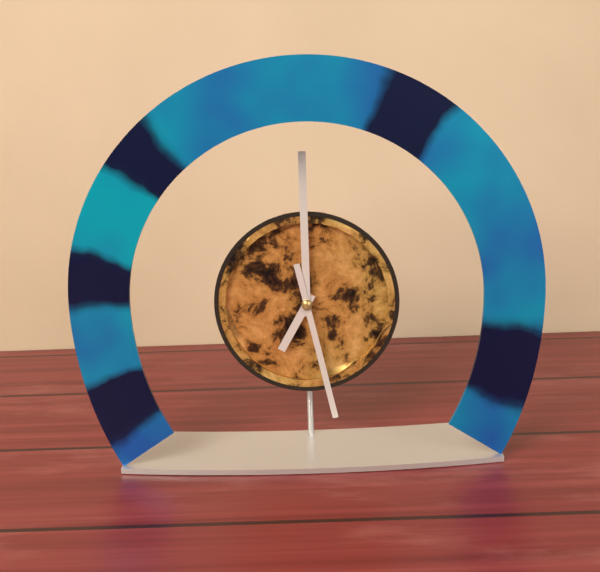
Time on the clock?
7:00:28
